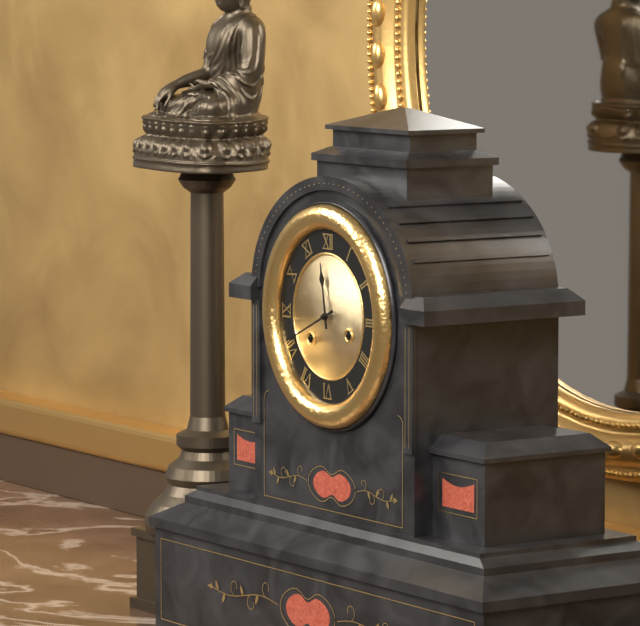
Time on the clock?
11:41
